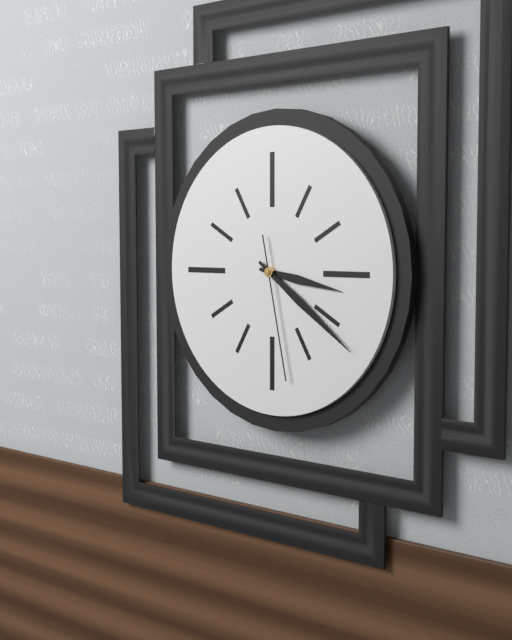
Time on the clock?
3:21:28
